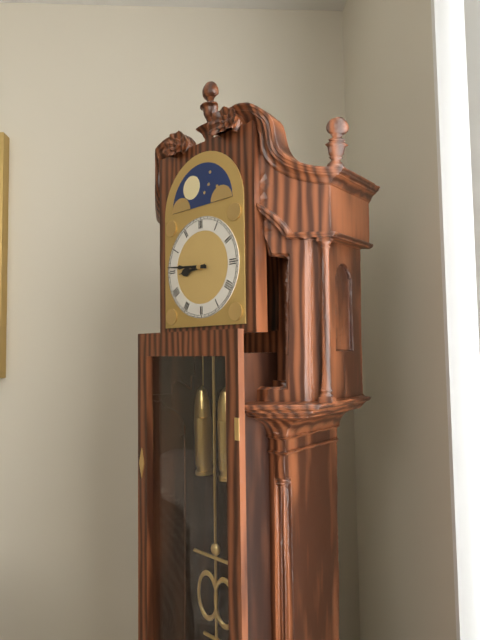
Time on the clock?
8:46
